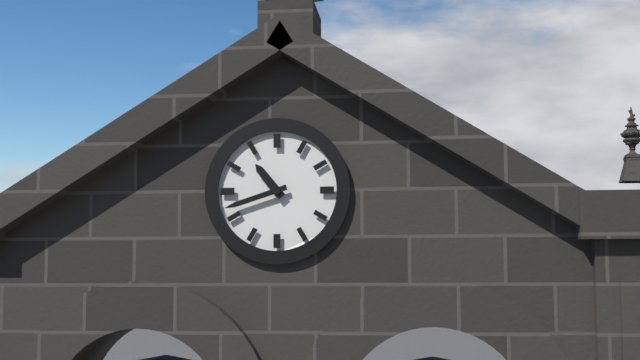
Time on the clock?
10:42
